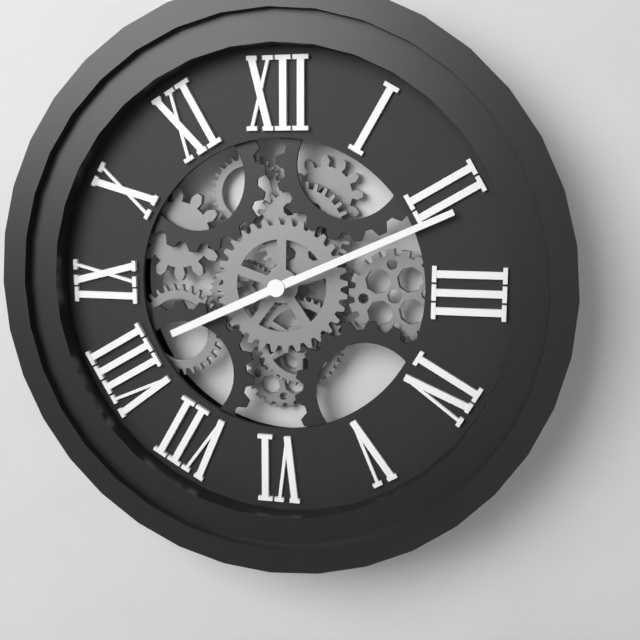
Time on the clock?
8:11
